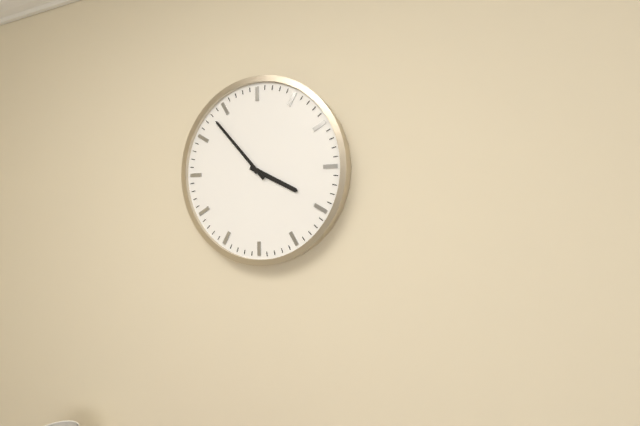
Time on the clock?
3:53
